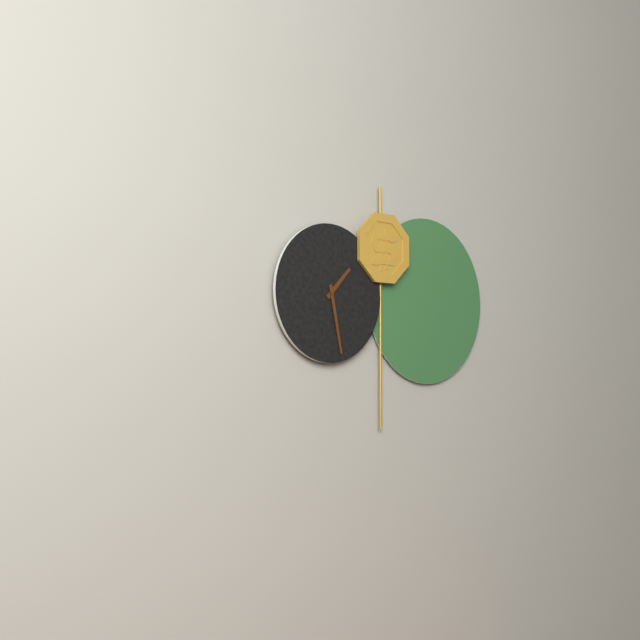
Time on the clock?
1:28
